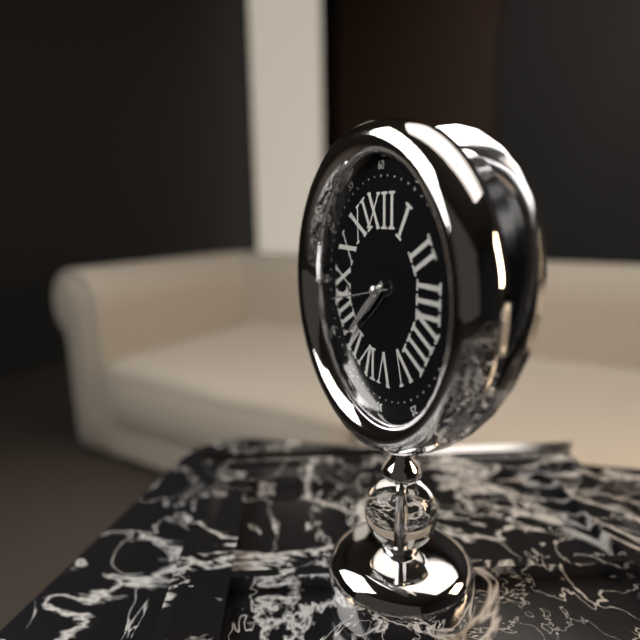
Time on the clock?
7:38:43
